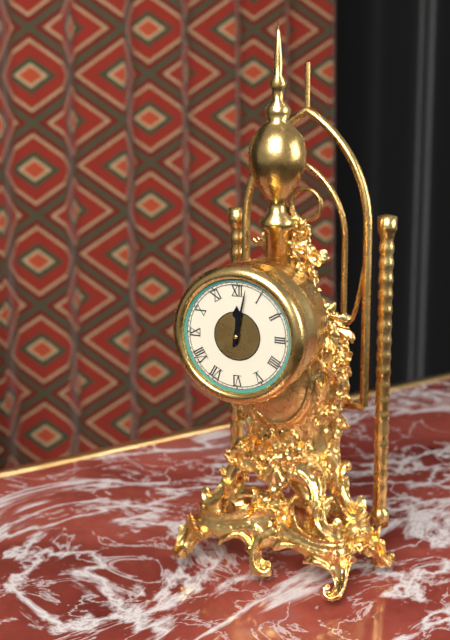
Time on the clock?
12:02
